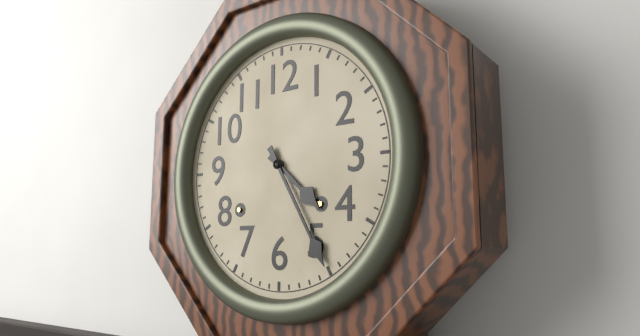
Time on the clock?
4:25
